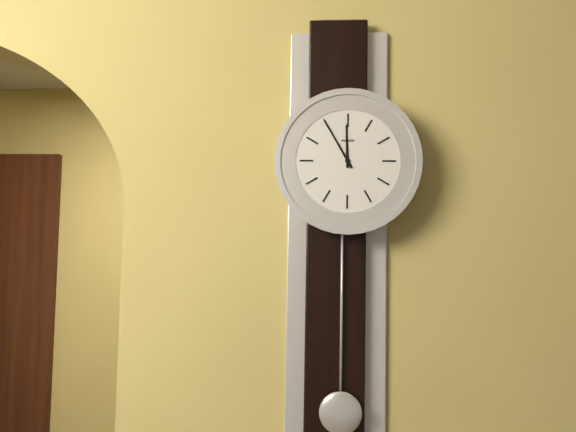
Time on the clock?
11:55
